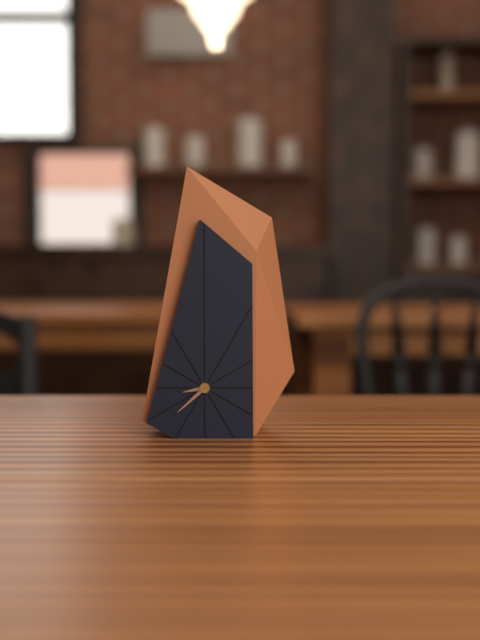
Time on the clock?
8:38
